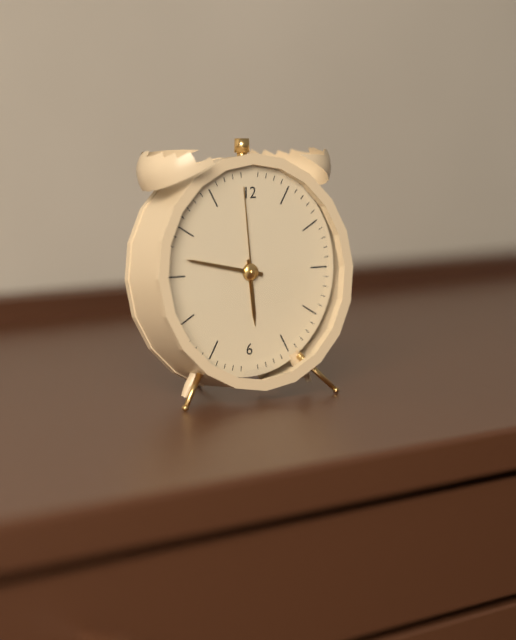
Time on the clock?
5:47:59
